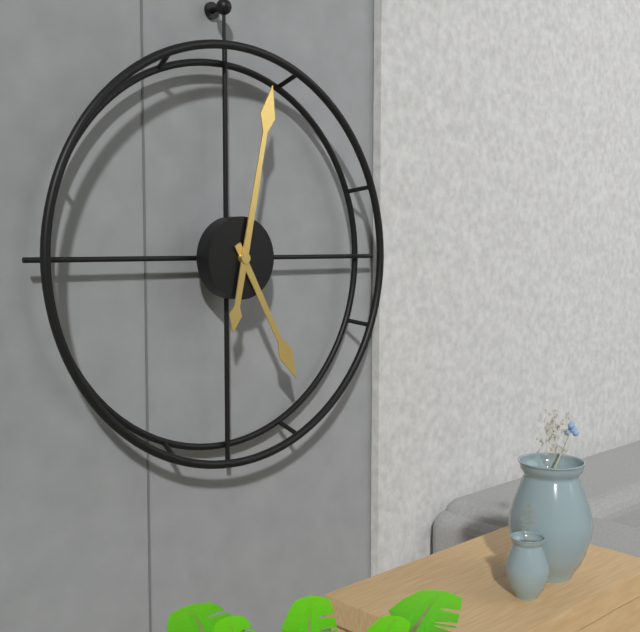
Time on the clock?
5:02
